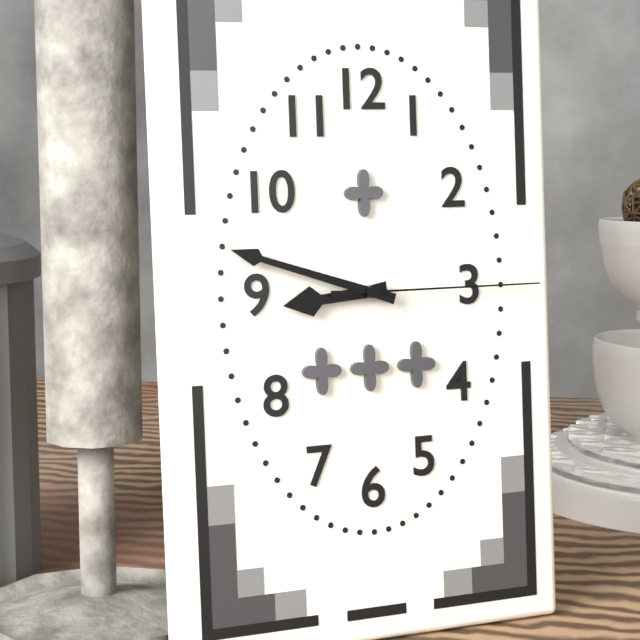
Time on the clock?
8:48:15
